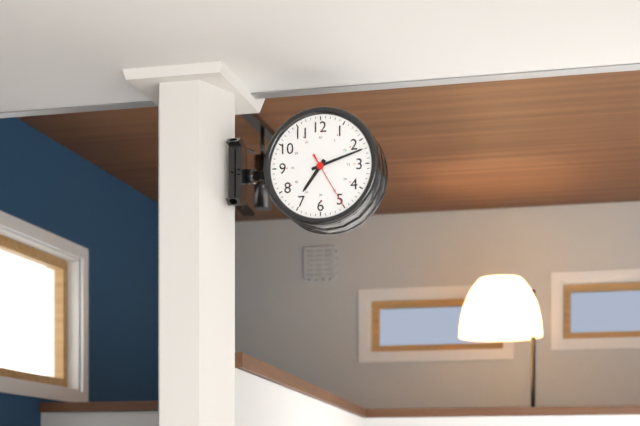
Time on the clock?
7:12
